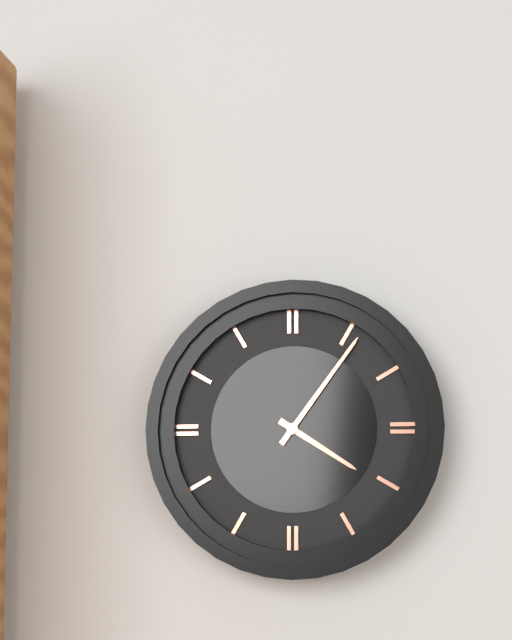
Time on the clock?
4:06
